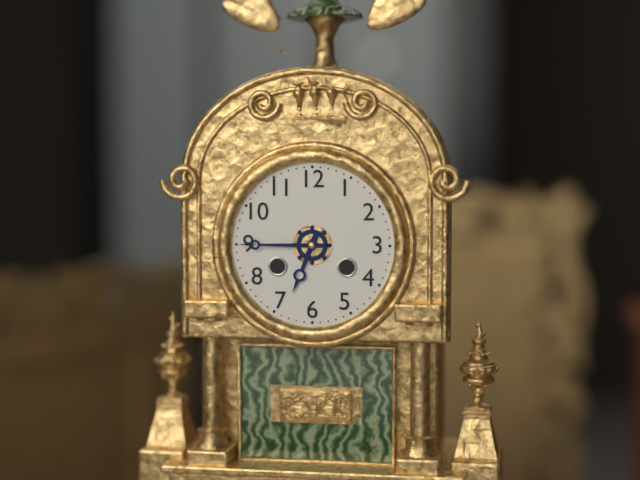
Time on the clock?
6:45
